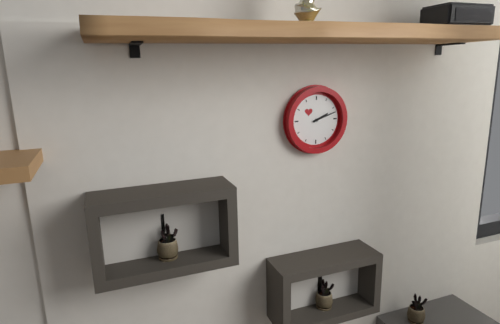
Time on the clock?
2:12
